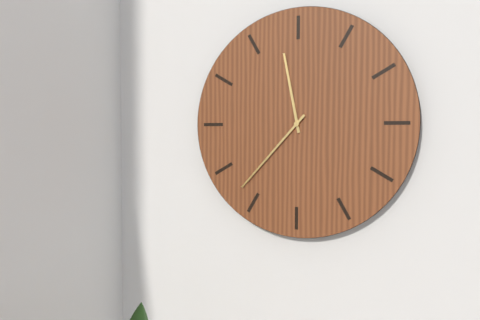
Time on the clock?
11:37
